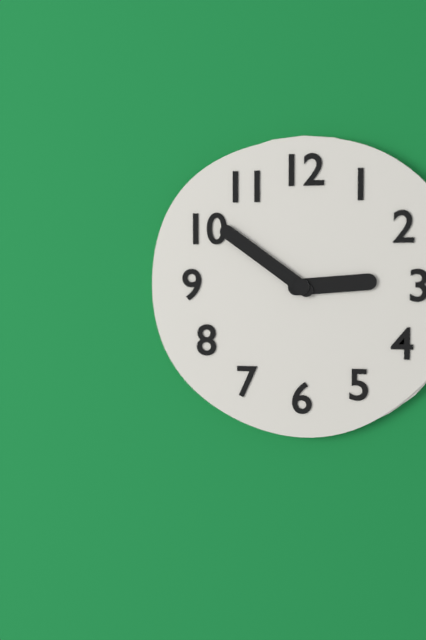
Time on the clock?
2:51
